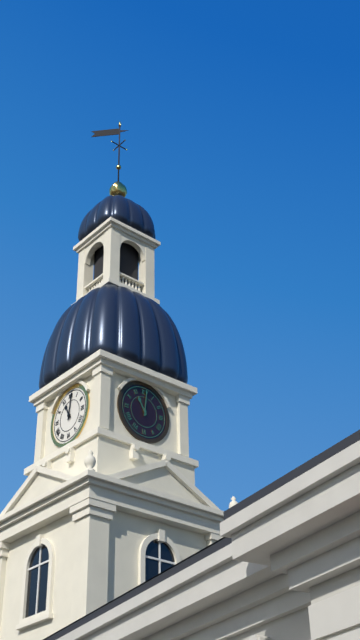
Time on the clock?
11:01
